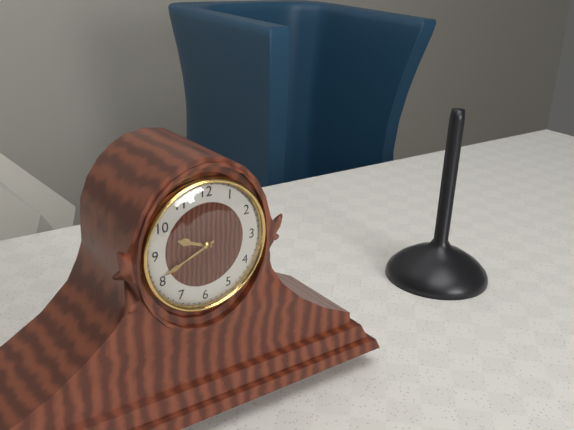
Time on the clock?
9:41
